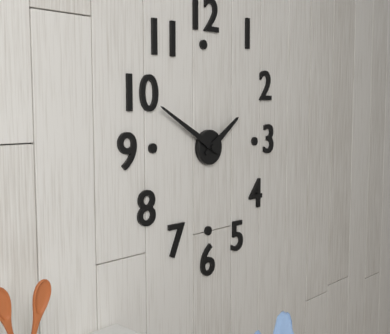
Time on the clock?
1:50
